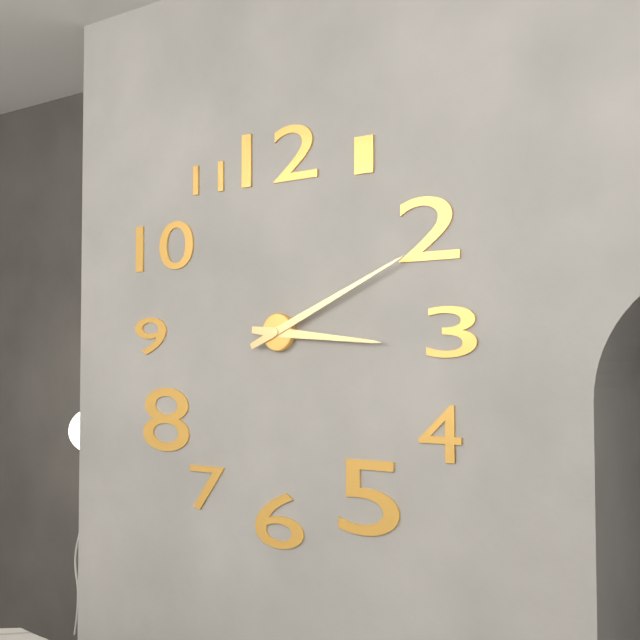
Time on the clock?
3:11
